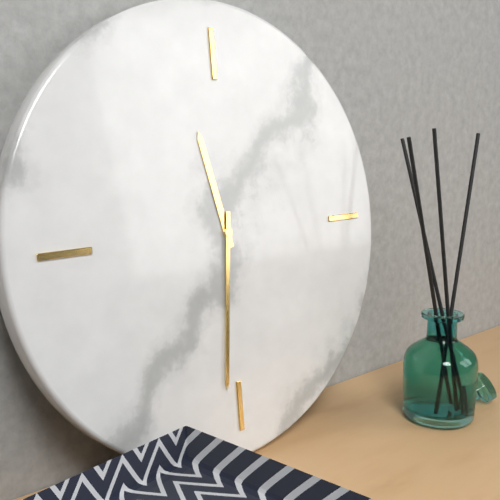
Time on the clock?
11:31
